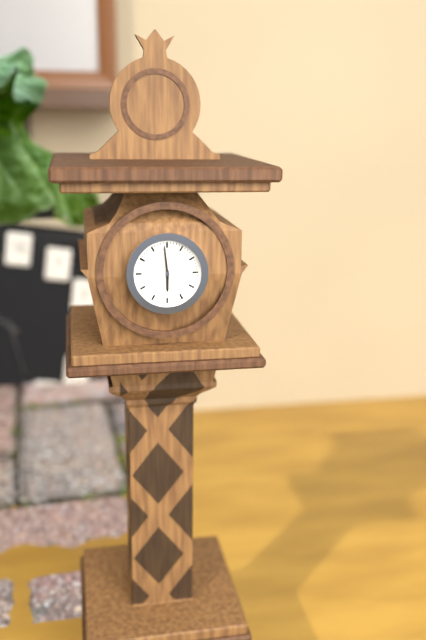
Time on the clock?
5:59
